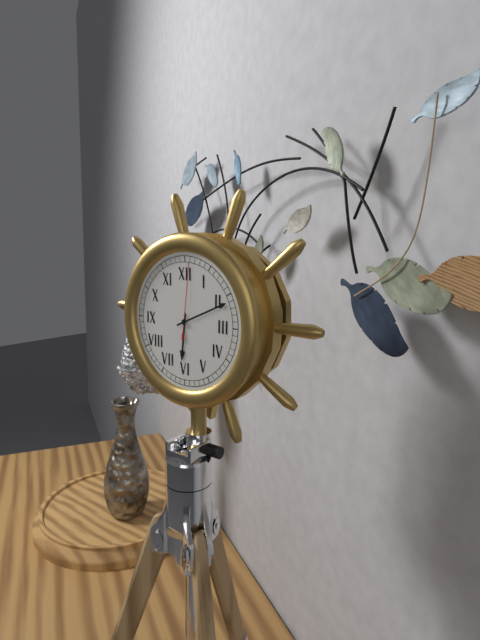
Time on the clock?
6:11:01
